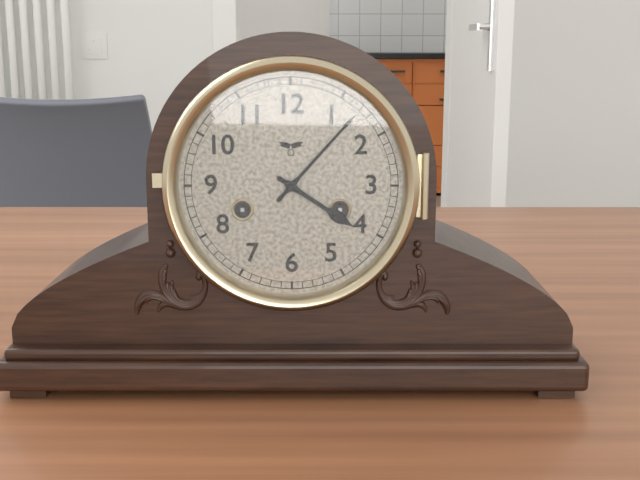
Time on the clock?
4:07
